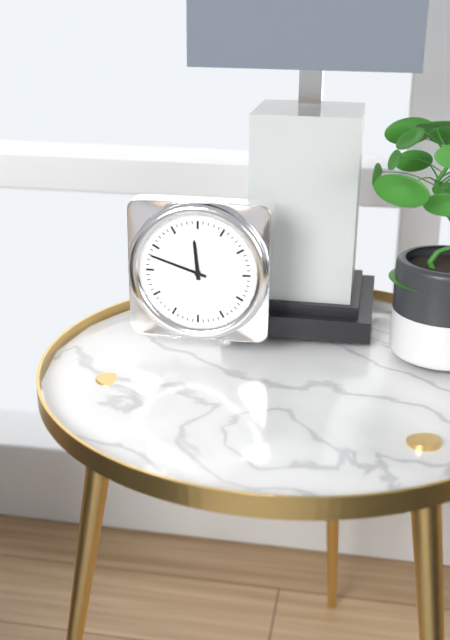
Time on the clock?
11:48
